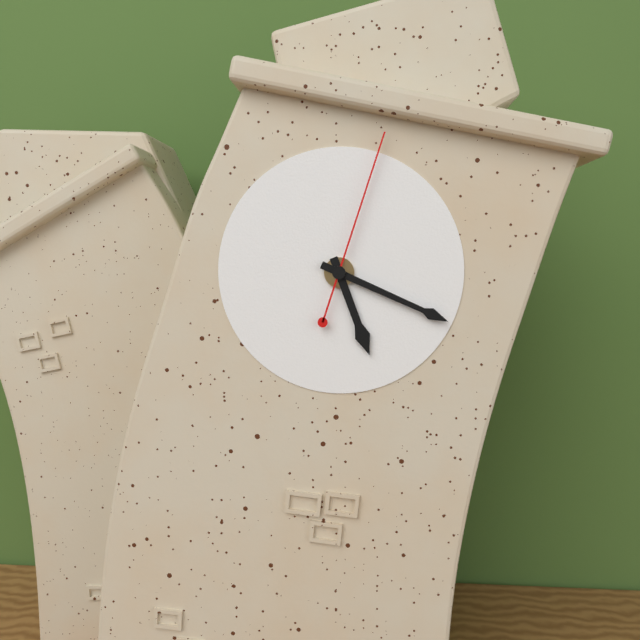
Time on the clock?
5:19:03
